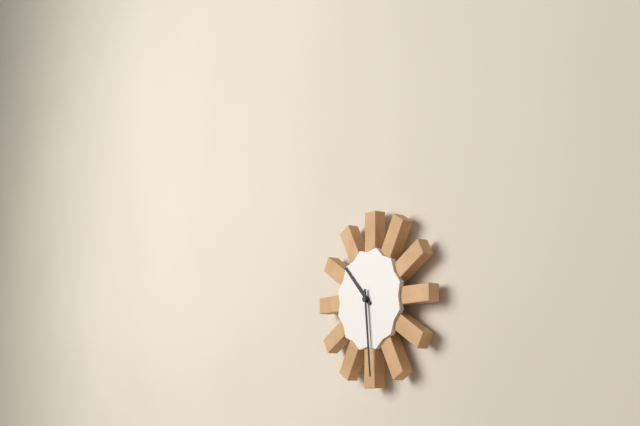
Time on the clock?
10:29
